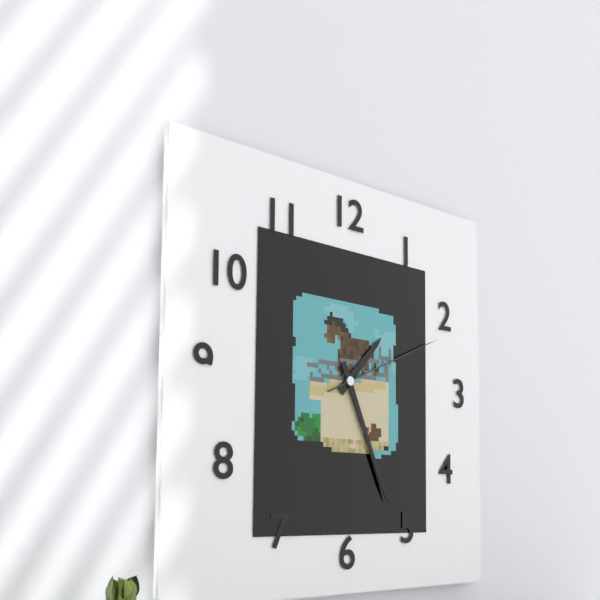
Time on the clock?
1:26:11
